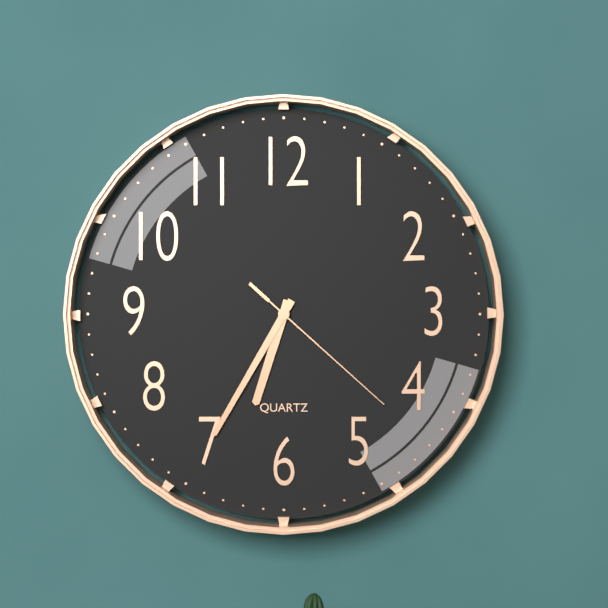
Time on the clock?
6:35:22
